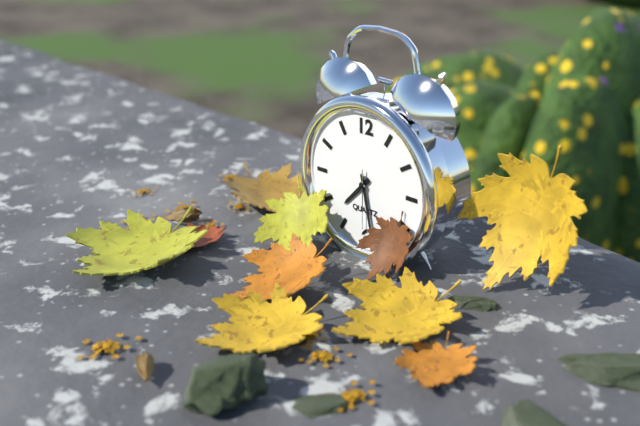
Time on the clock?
7:28:30
